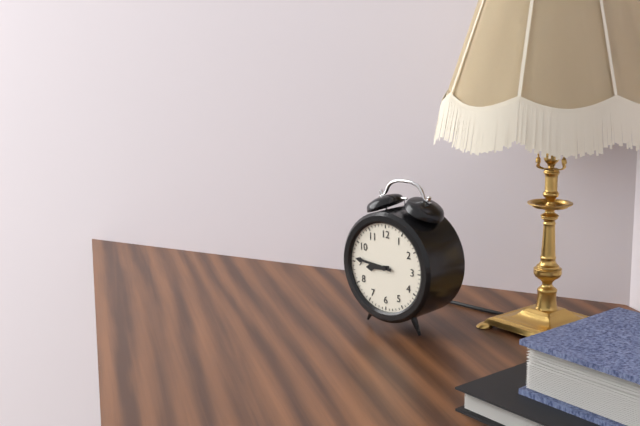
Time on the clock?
8:46
